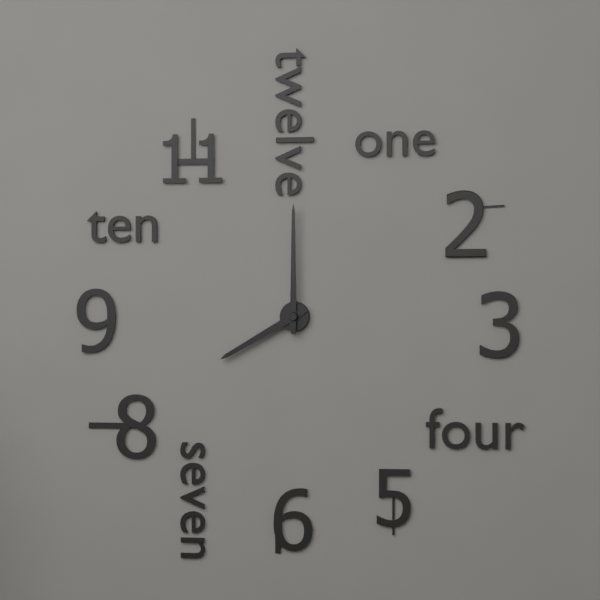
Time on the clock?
8:00
